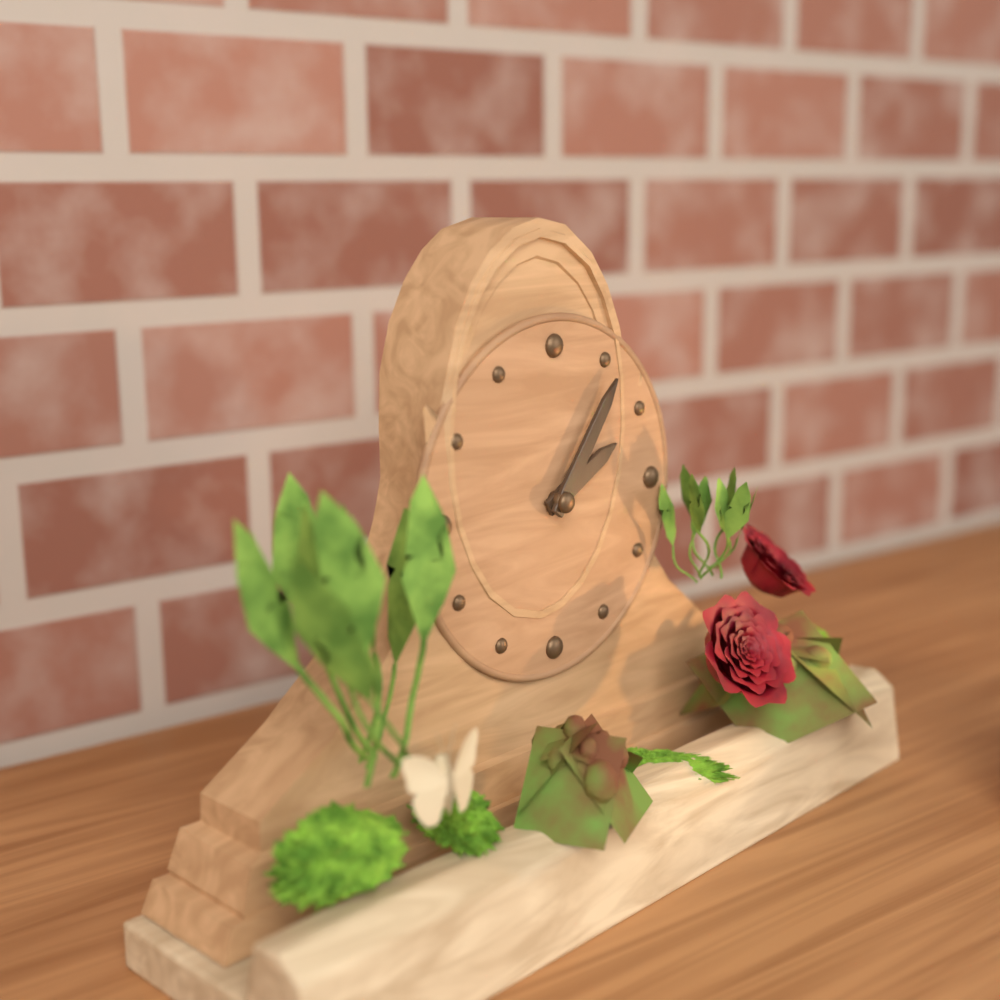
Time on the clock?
2:06
